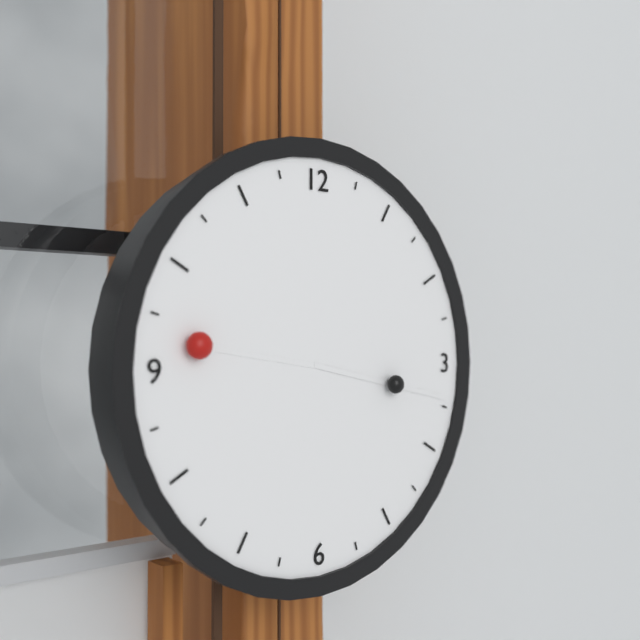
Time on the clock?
9:17
